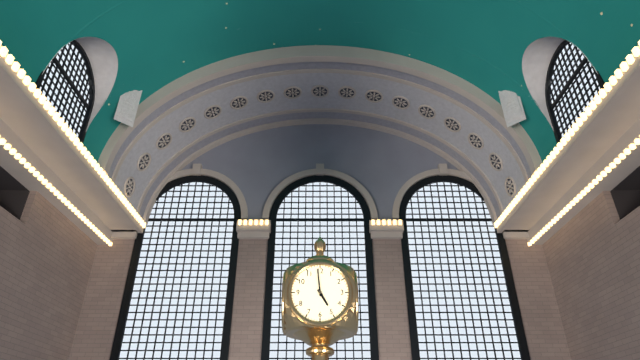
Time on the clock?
4:59
